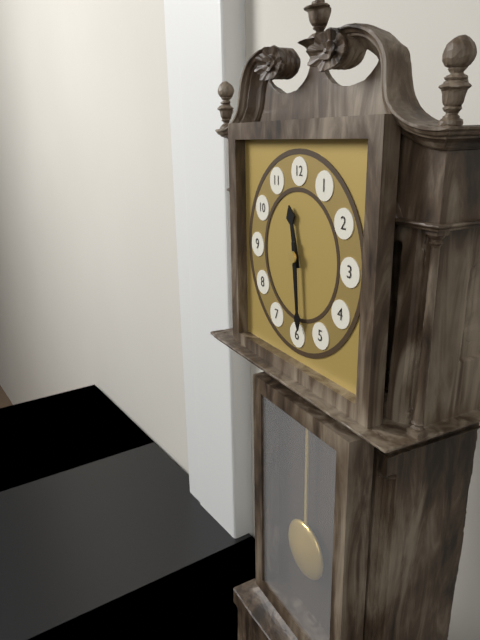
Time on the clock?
11:29
